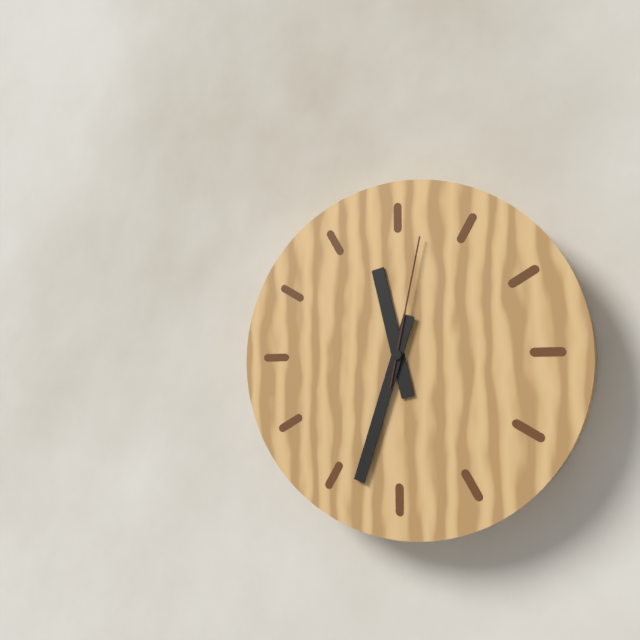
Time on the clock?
11:33:02
